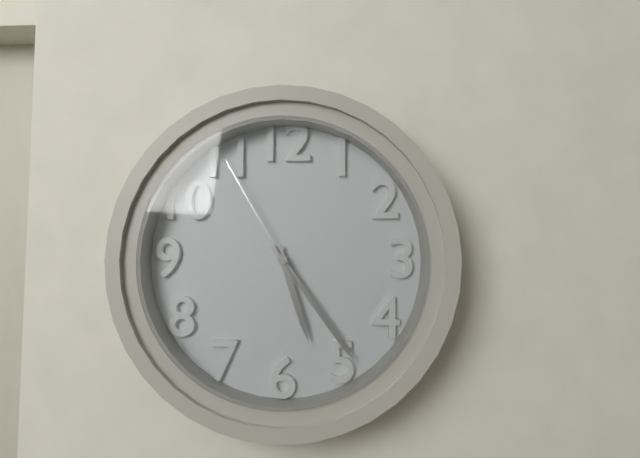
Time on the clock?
5:24:55
